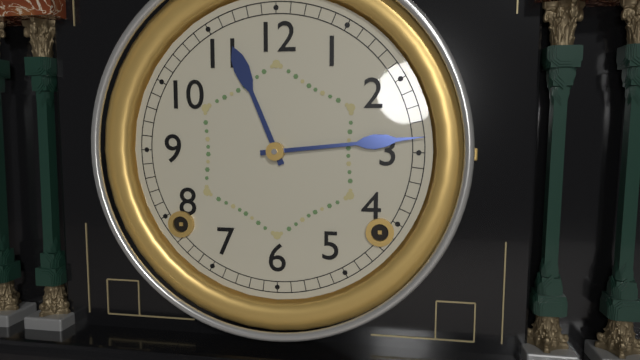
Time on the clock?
11:14
